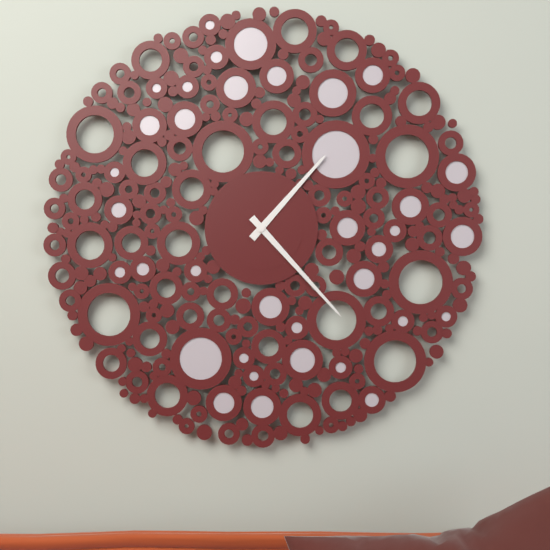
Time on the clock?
1:23
